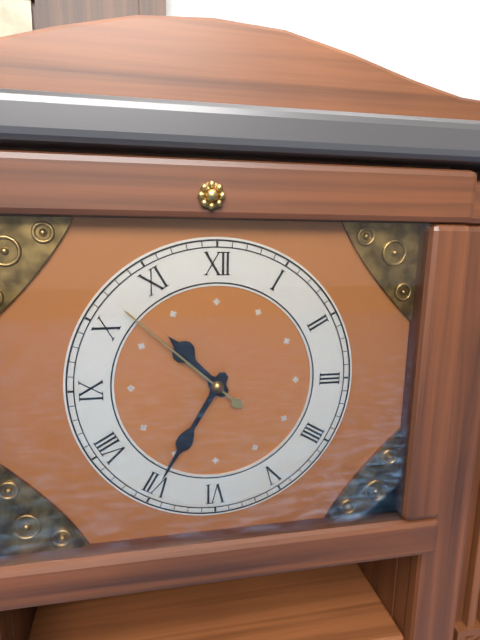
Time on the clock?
10:35:52
